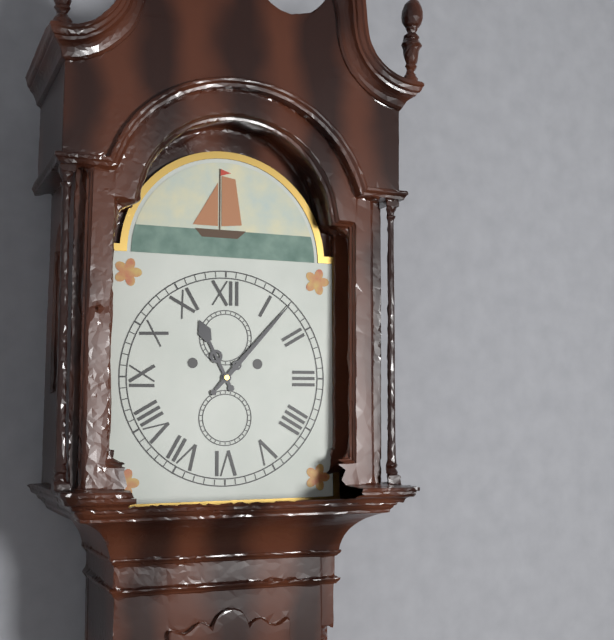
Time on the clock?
11:07
